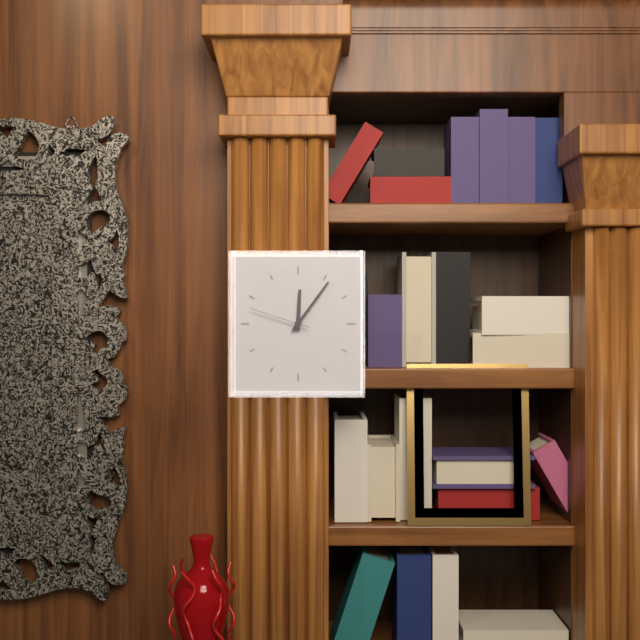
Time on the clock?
12:06:48
